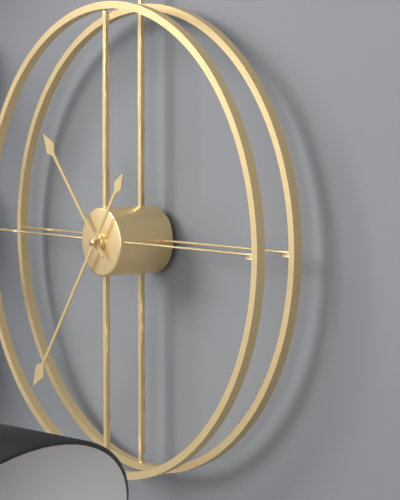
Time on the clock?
10:36
